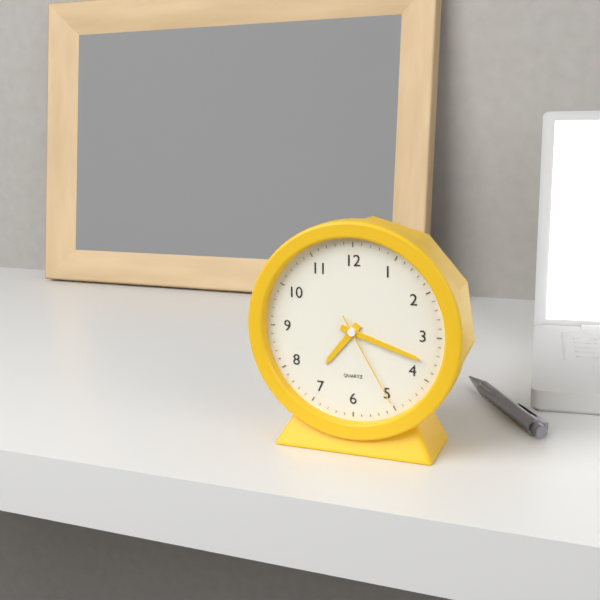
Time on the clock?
7:18:25
